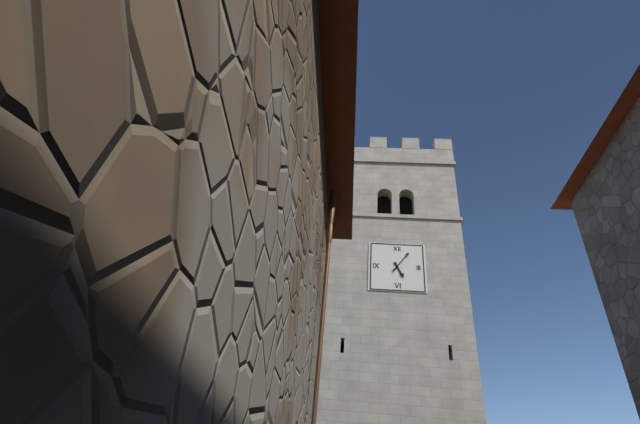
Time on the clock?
5:06
